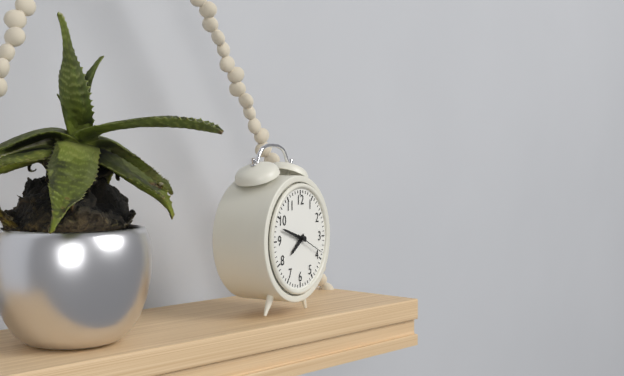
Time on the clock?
7:48
